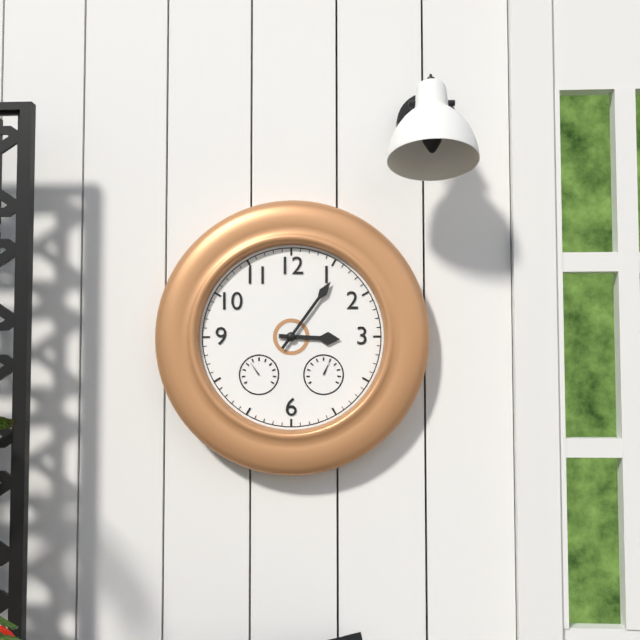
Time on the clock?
3:06
